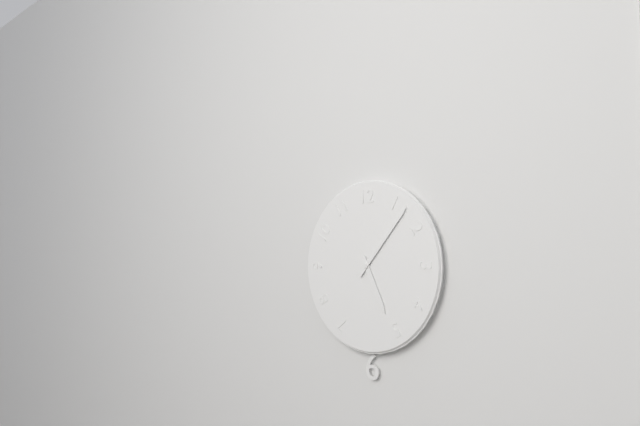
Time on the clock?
5:07
